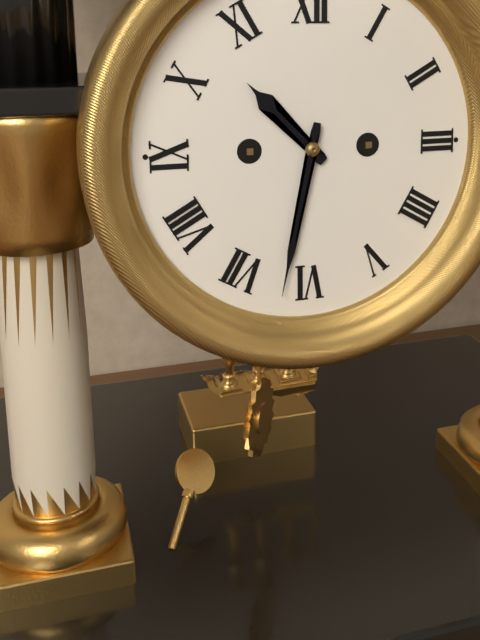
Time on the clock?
10:32
